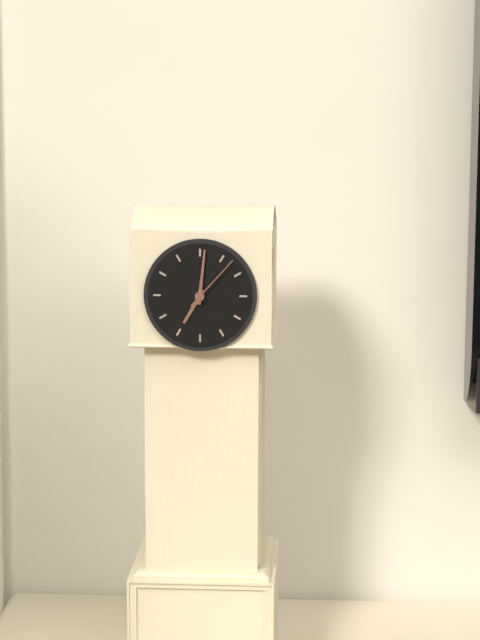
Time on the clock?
7:01:07
